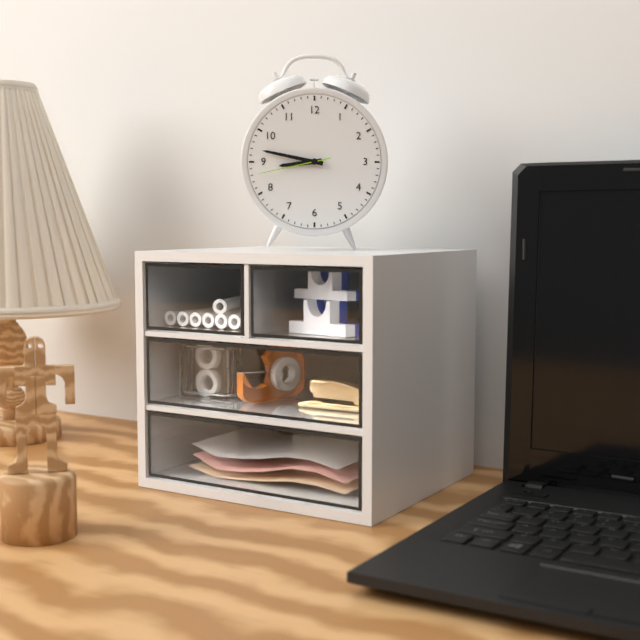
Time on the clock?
8:47:43
